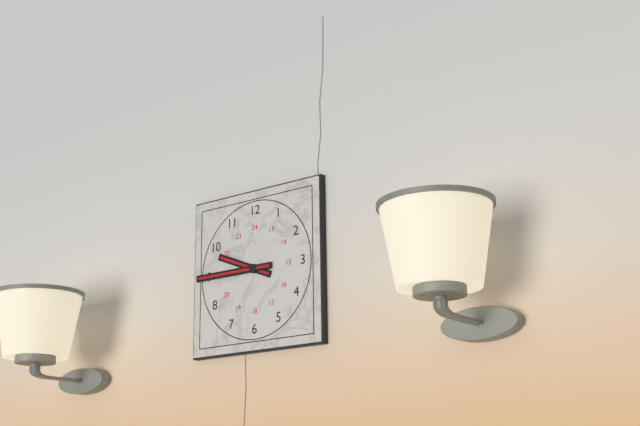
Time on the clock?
9:45
